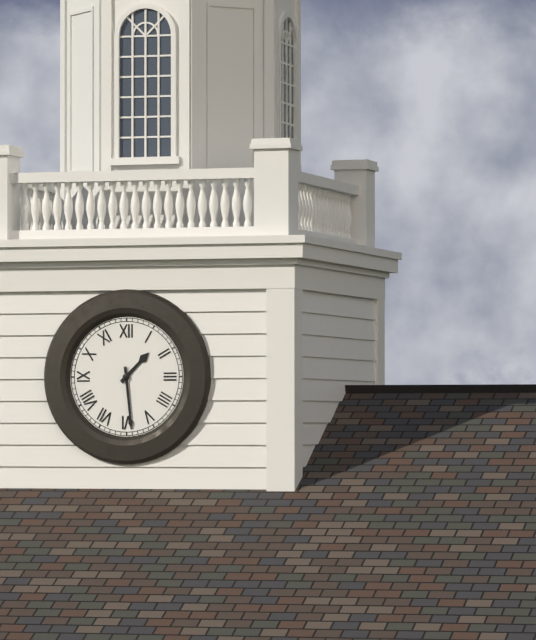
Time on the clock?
1:29
